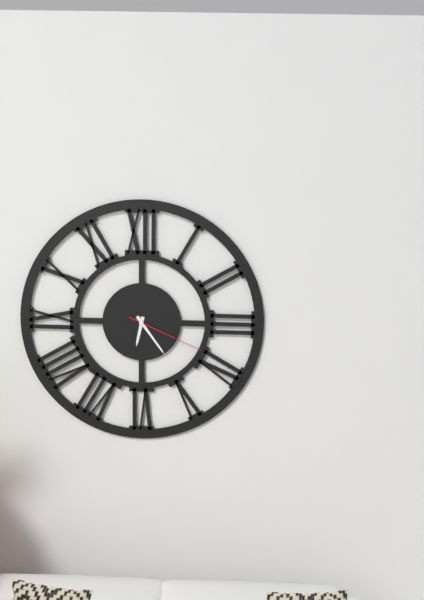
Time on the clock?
6:24:19
